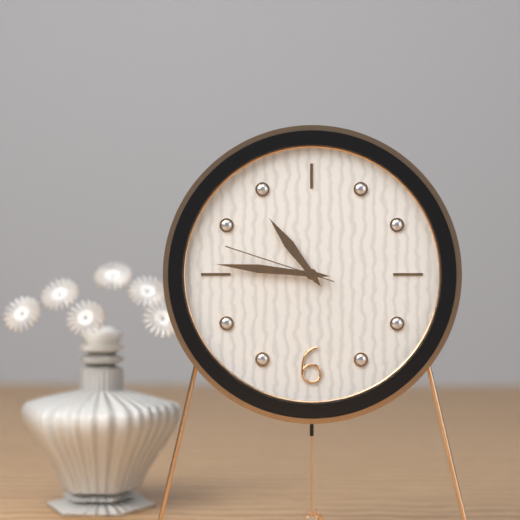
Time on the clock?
10:46:48
